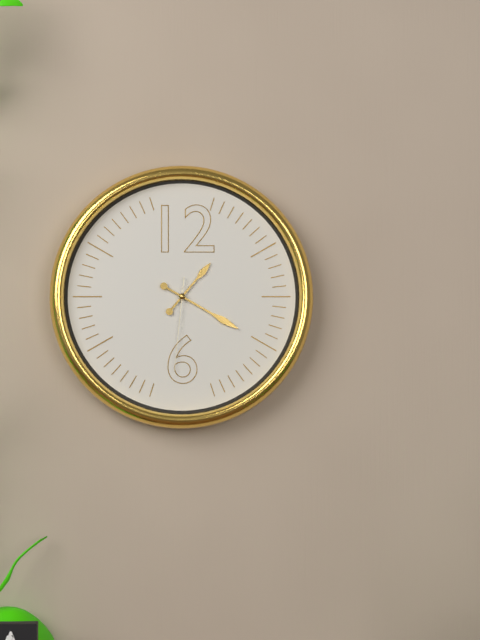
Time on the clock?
1:20:31
